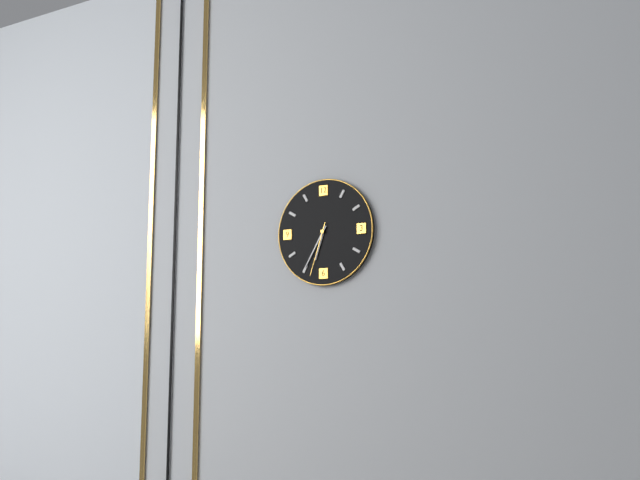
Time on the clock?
6:35:33
